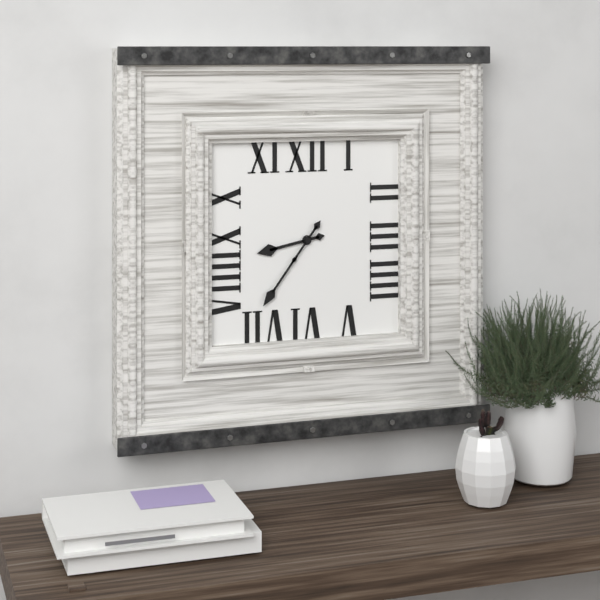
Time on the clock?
8:36
